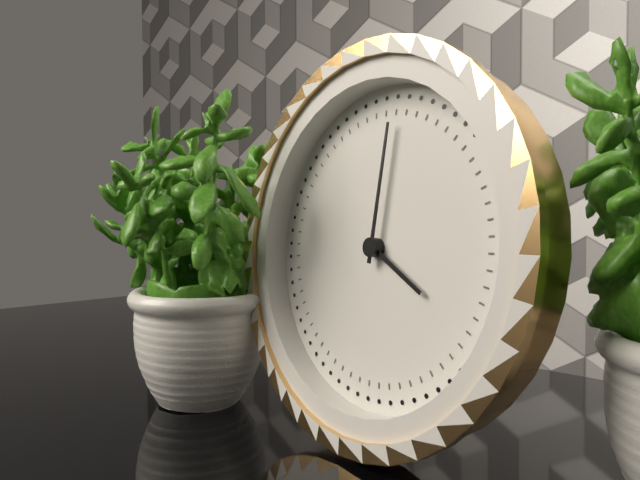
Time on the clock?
4:01
